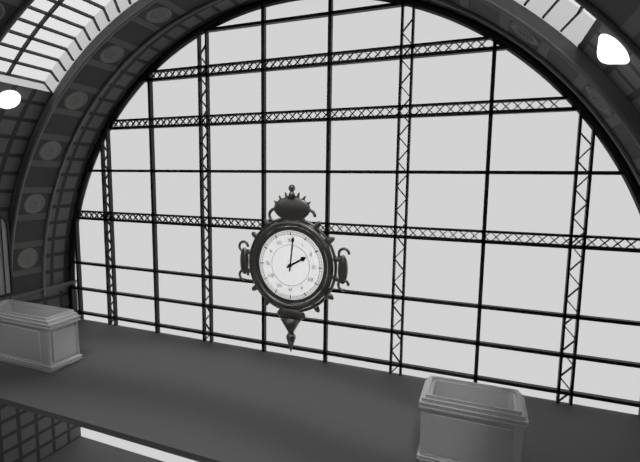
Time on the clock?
2:01
